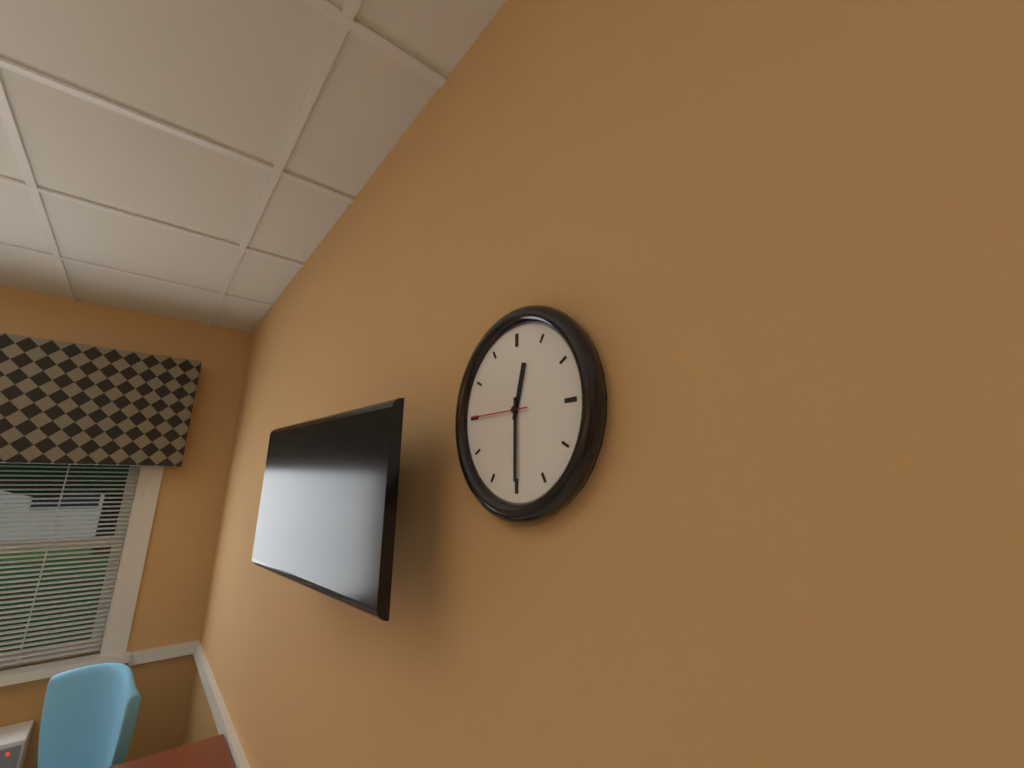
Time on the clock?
12:30:45
